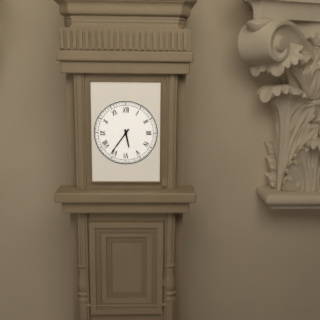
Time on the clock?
5:36
